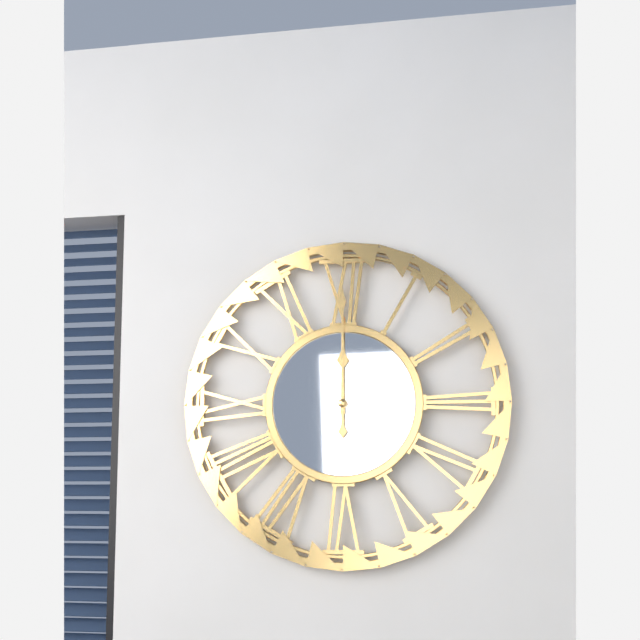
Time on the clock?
12:00
